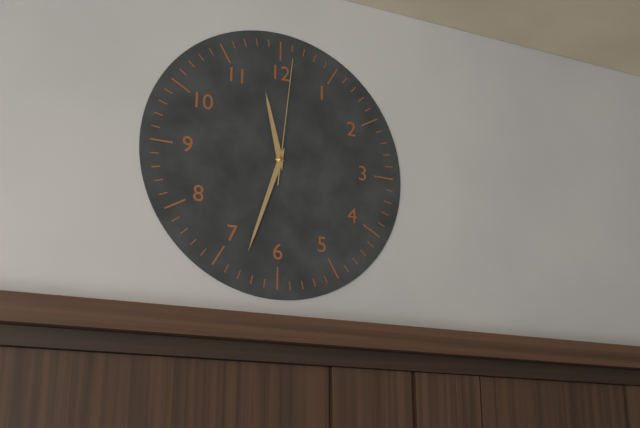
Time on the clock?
11:33:01
